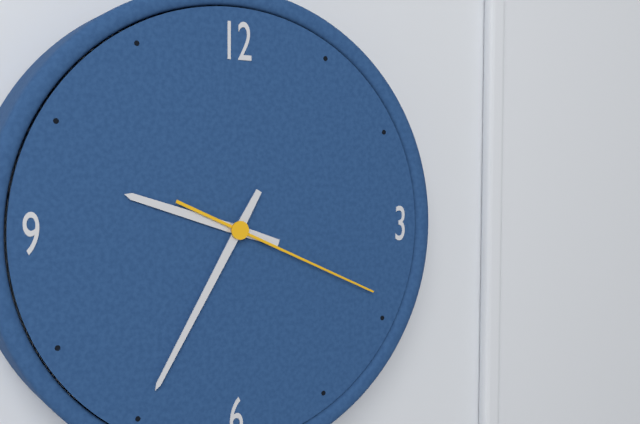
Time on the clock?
9:35:19
